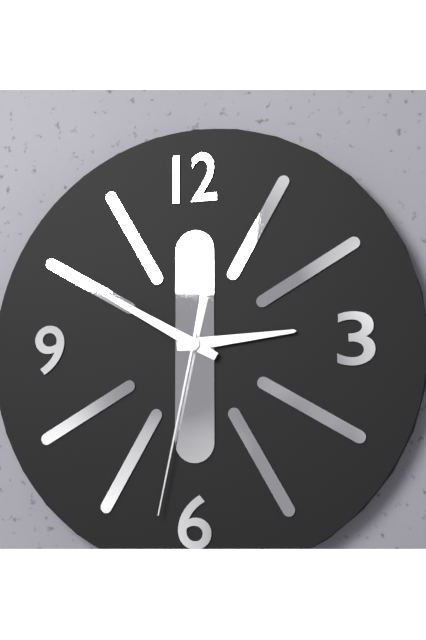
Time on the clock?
2:50:32
